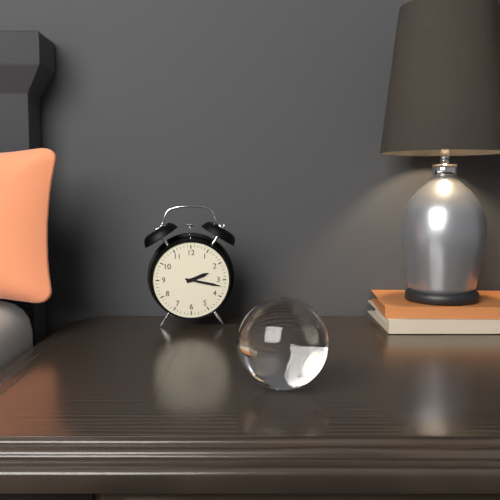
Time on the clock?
2:17
